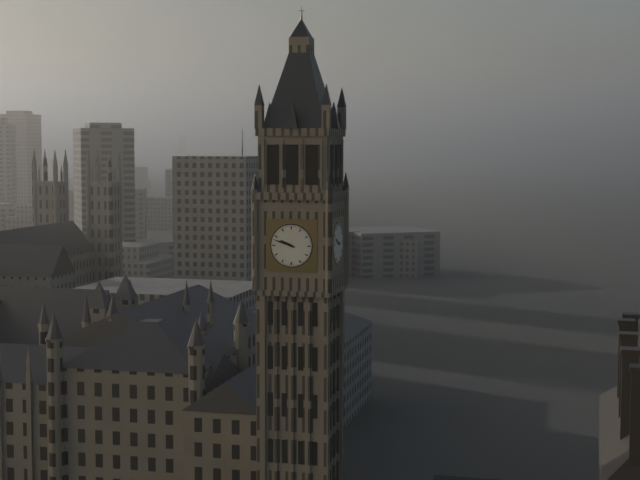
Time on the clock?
9:48
